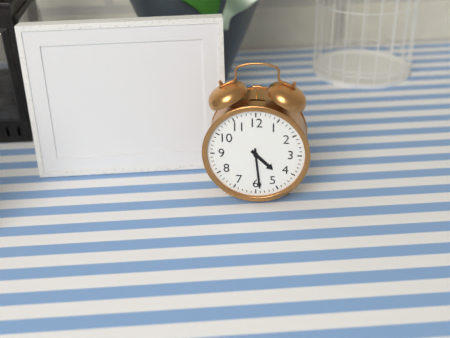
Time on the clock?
4:29
